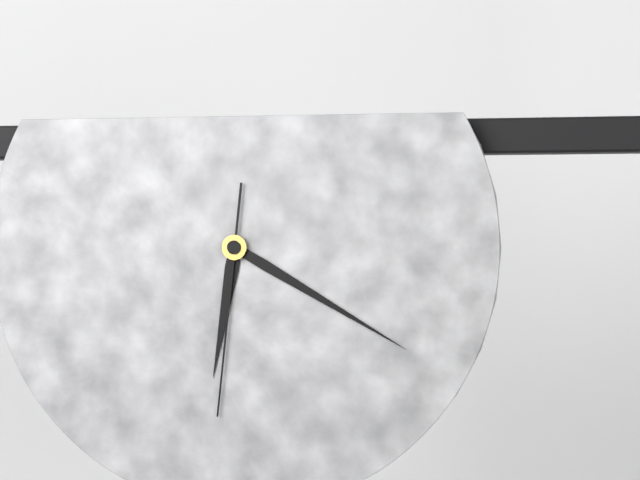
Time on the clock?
6:20:31
